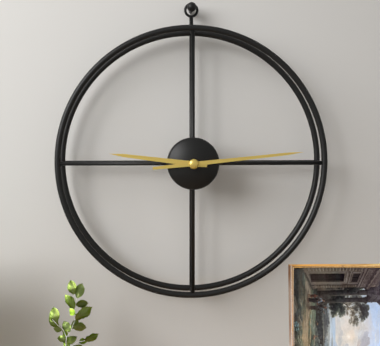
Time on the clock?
9:14
